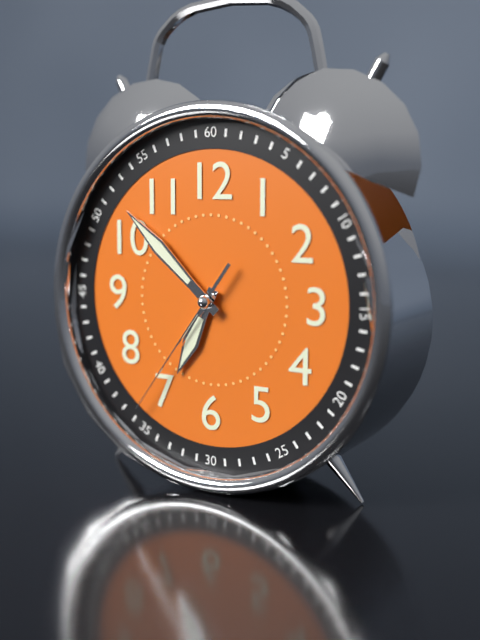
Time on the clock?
6:52:36
